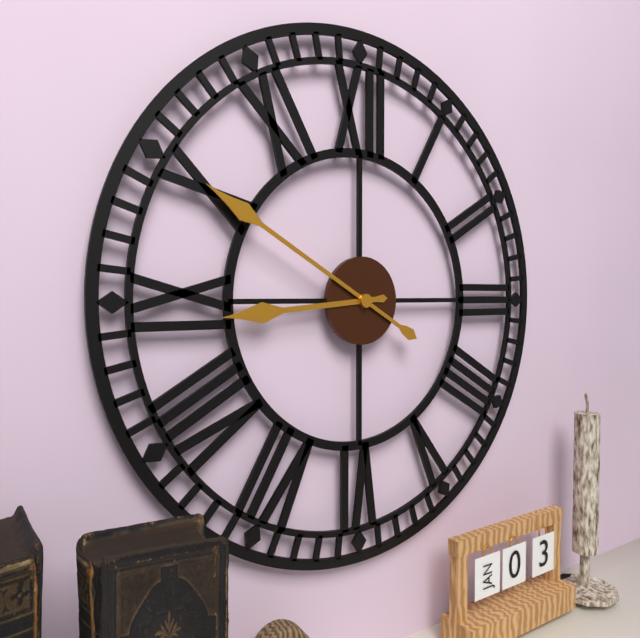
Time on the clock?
8:50
